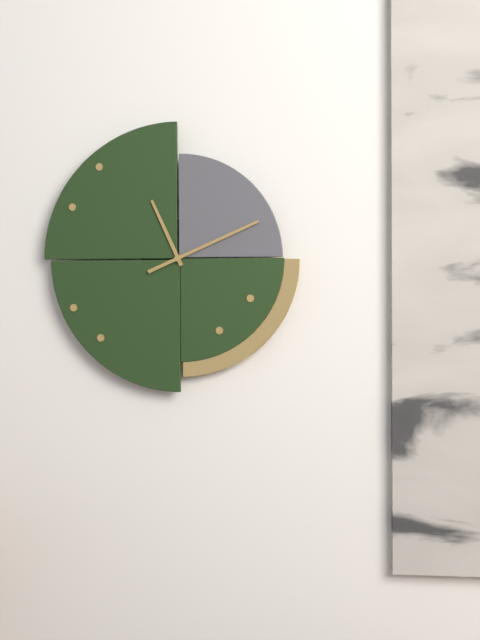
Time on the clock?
11:11
